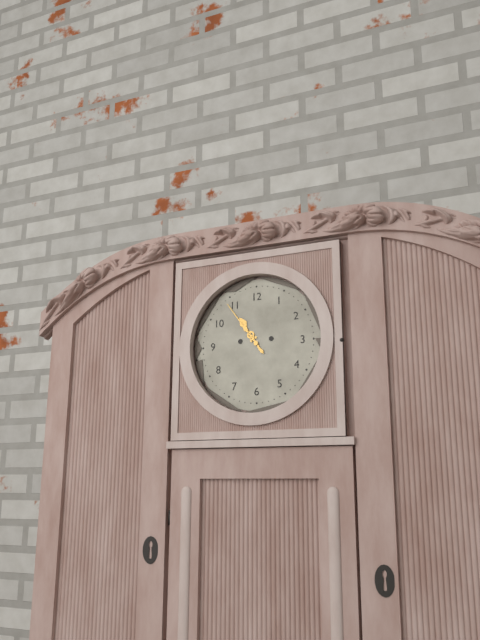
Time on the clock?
10:54
